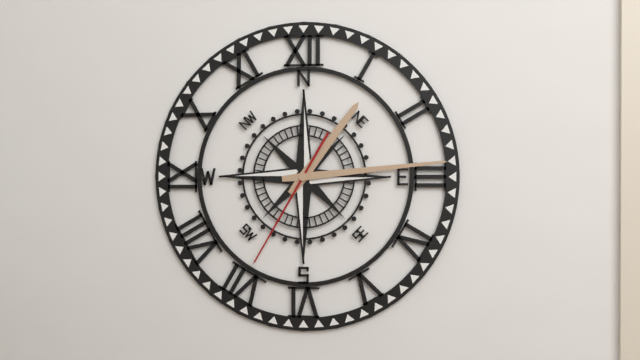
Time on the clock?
1:14:35
